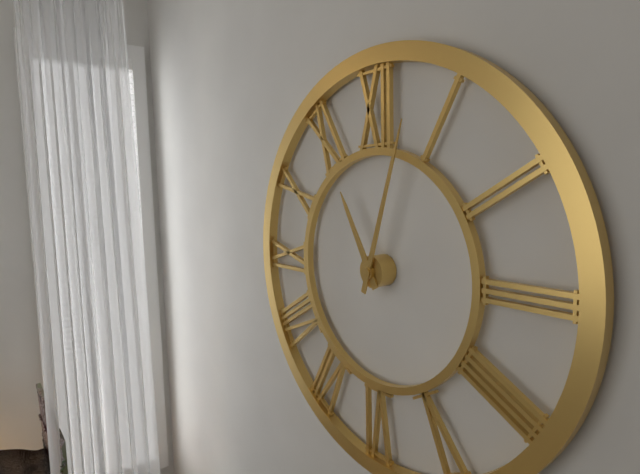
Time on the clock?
11:03
